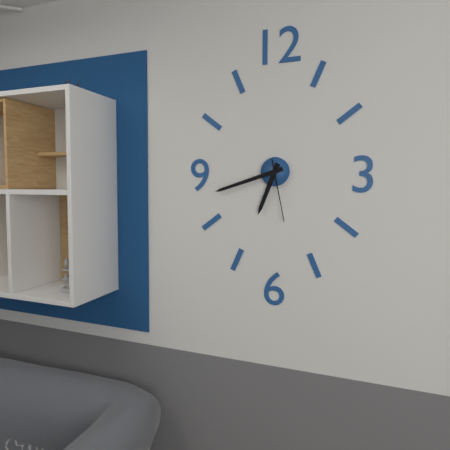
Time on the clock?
6:42:28
